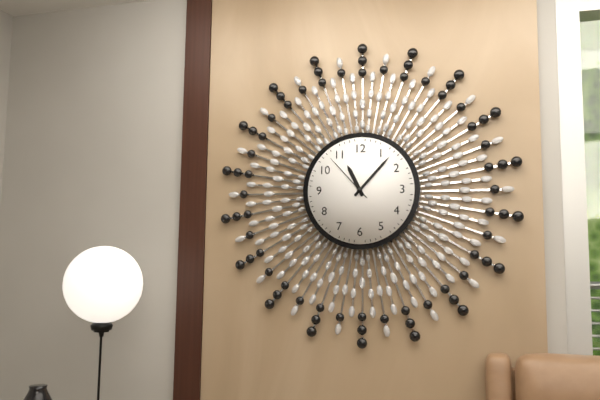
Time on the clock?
11:07:53
